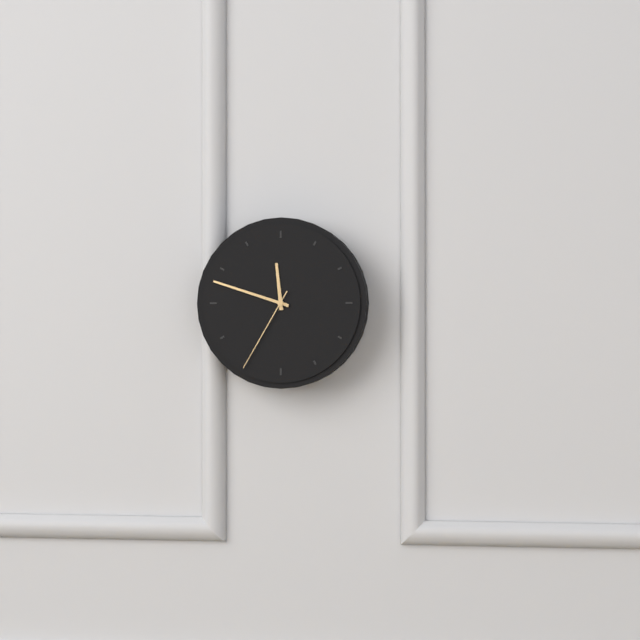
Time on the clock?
11:48:35
